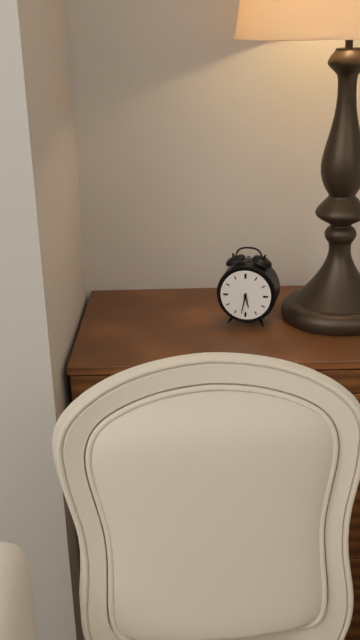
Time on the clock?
5:32
